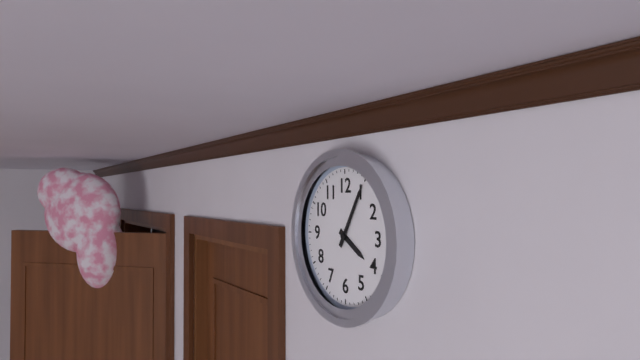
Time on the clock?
4:05
